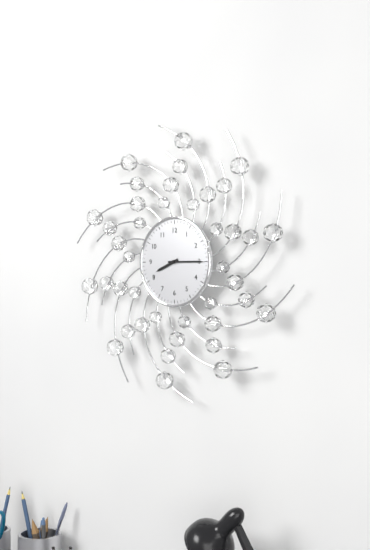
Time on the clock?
8:15
